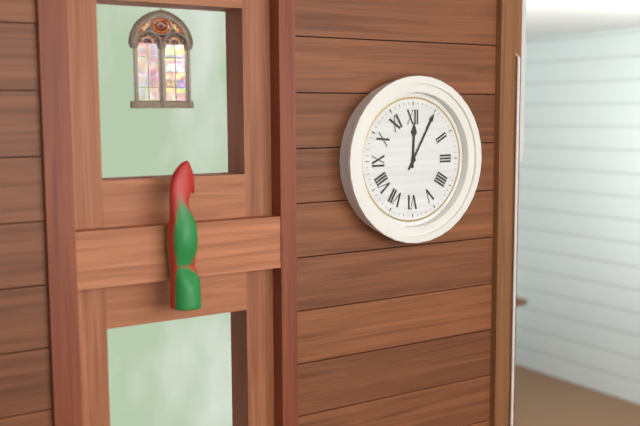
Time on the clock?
12:05
